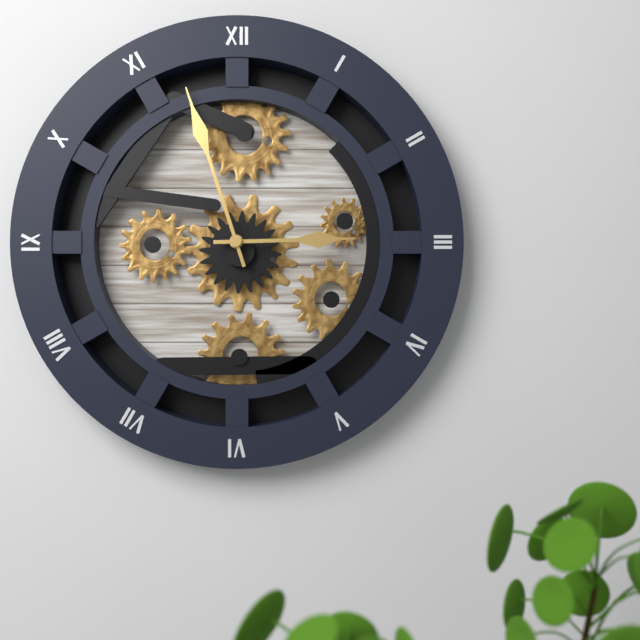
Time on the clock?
2:57
